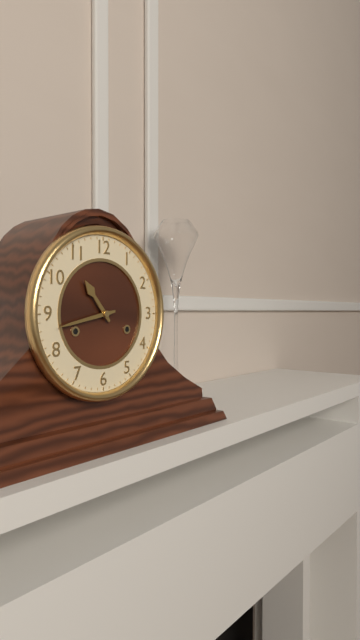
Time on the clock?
10:43
